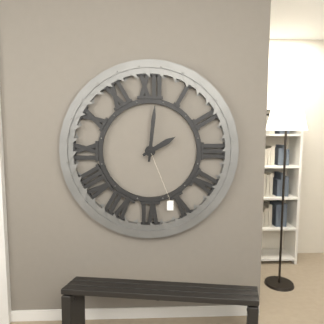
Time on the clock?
2:01
